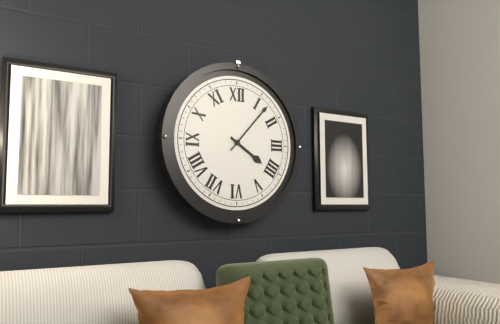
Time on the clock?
4:07
